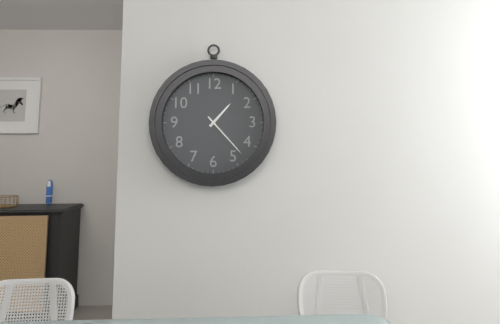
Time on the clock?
1:23
